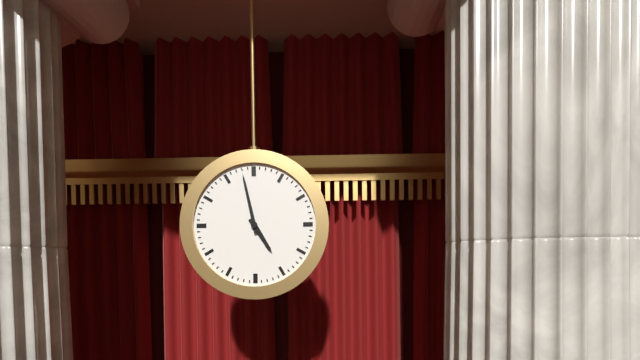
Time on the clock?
4:58
